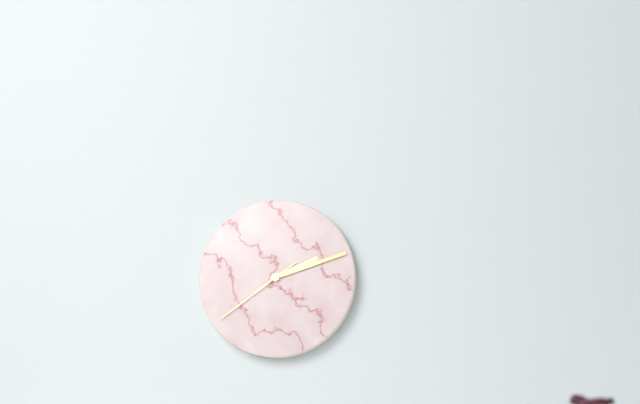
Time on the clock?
2:12:39
